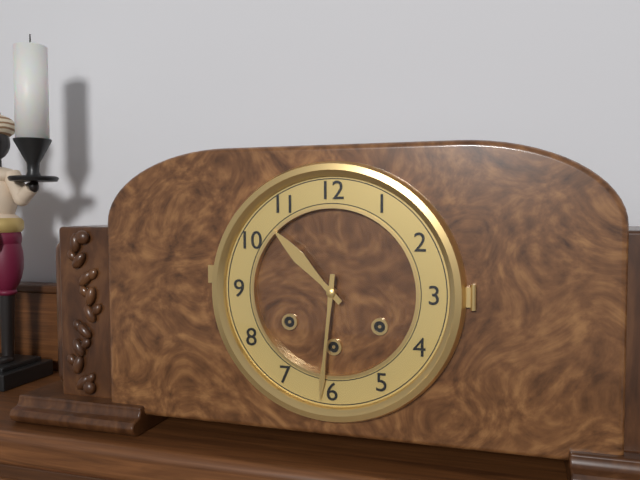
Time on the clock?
10:31
